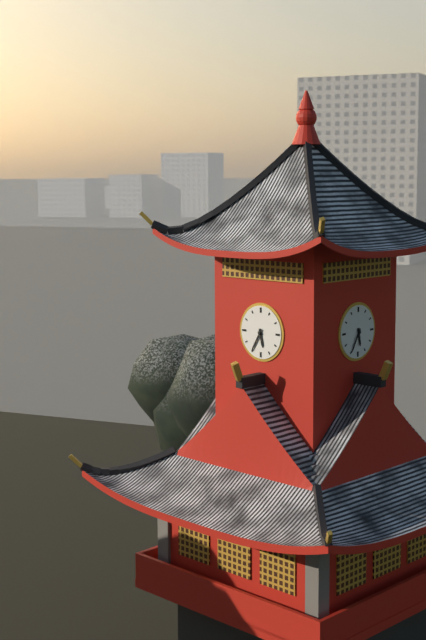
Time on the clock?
5:35
